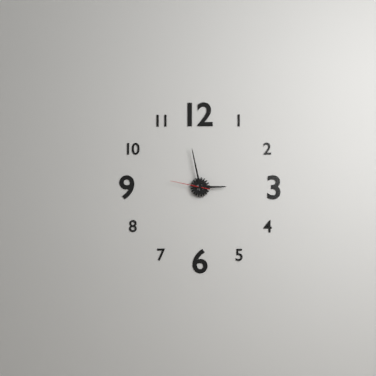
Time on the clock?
2:58
